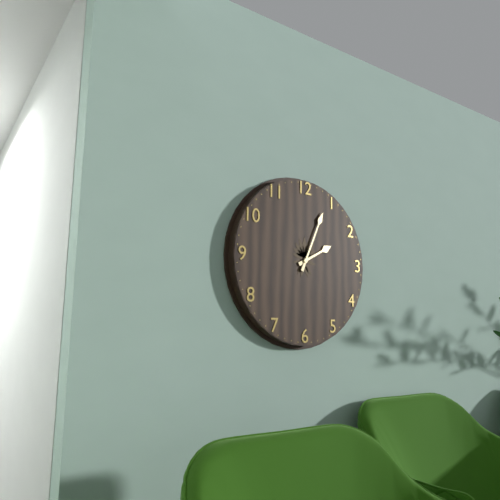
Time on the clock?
2:04
